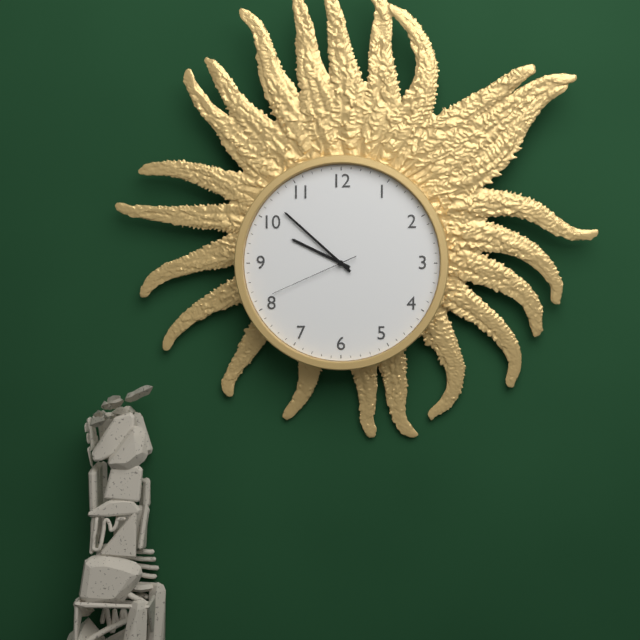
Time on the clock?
9:52:41
